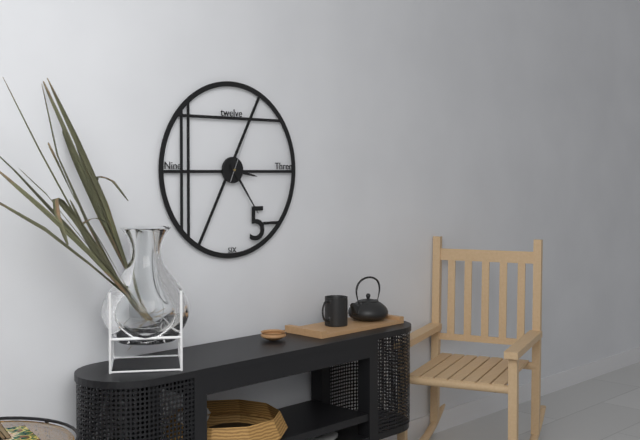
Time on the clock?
3:24:04
